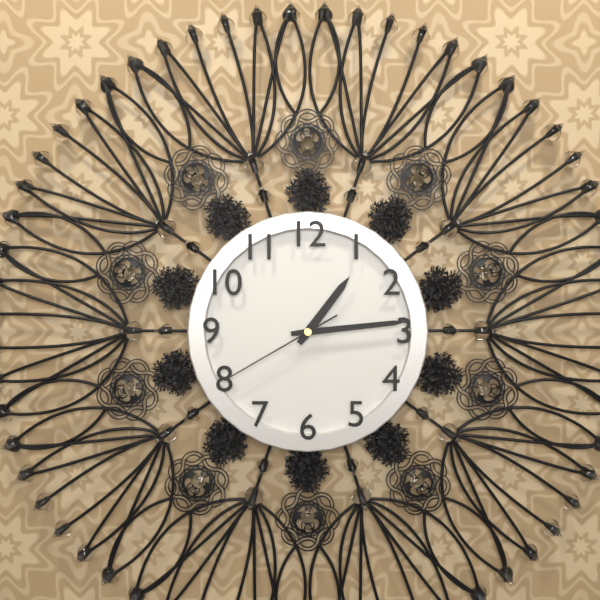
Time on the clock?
1:14:40
